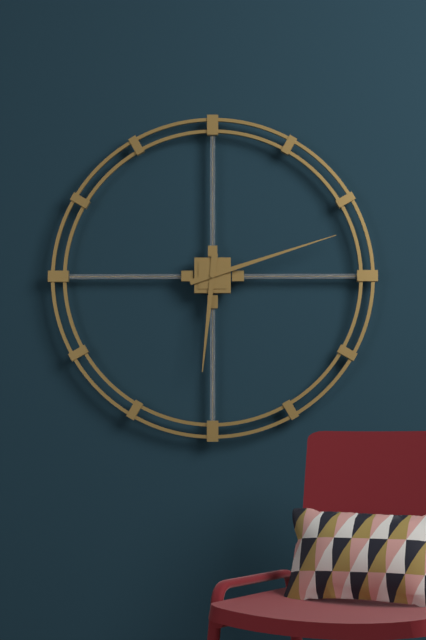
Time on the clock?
6:12
